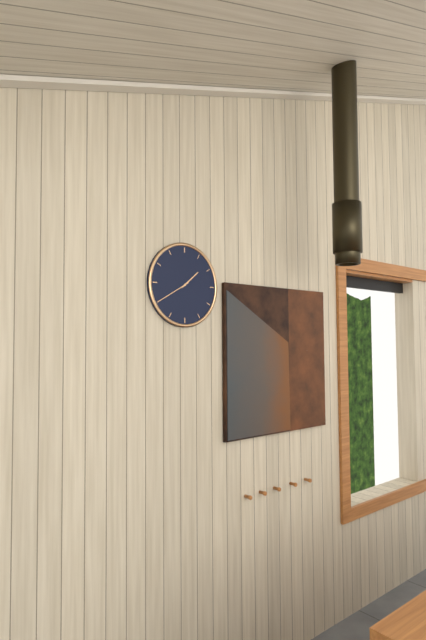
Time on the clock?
1:40
